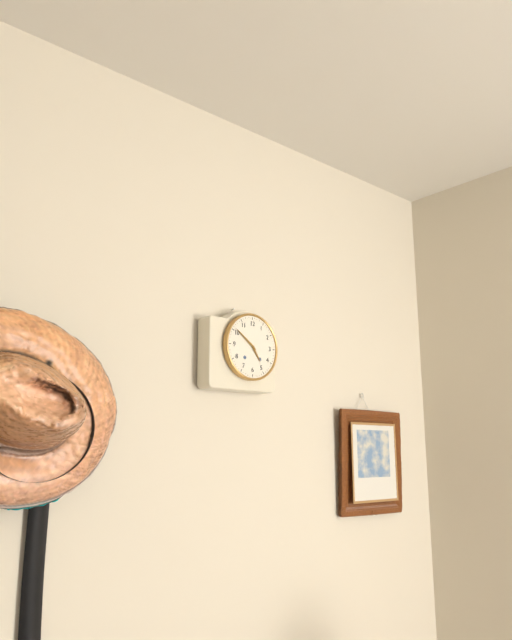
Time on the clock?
4:51
